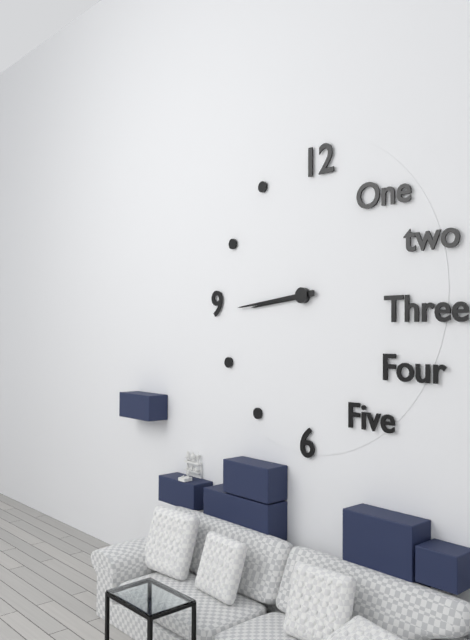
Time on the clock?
8:44
